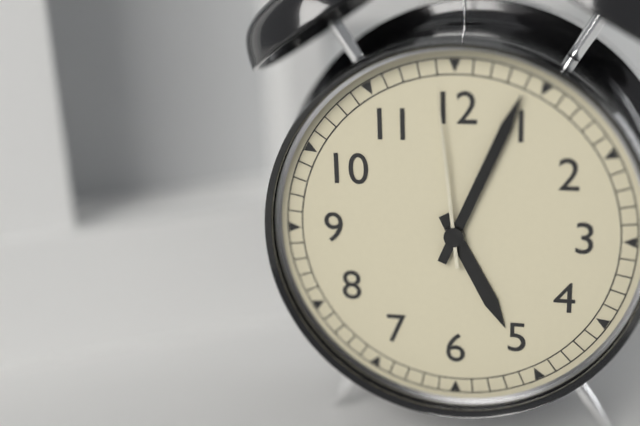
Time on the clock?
5:04:59
